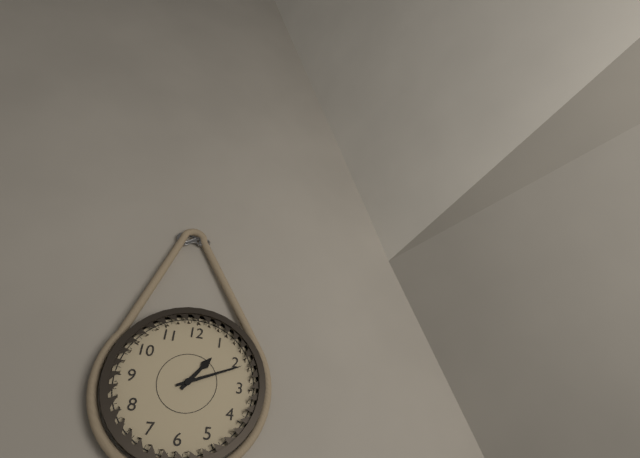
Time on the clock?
1:11
